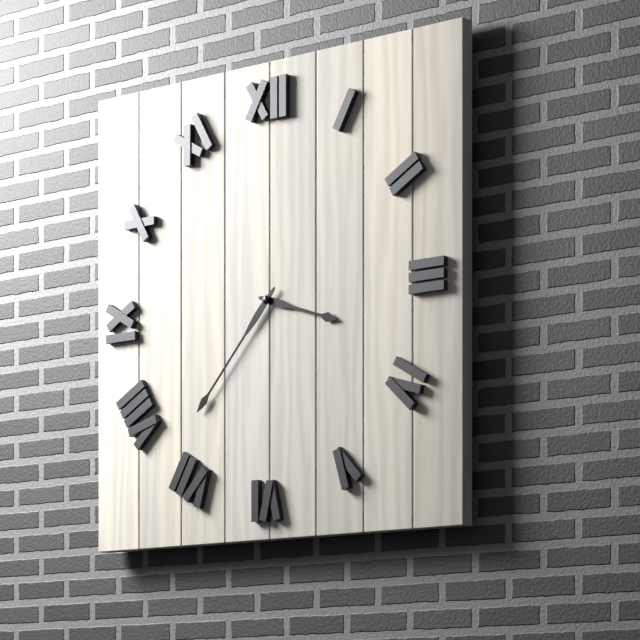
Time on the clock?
3:37
